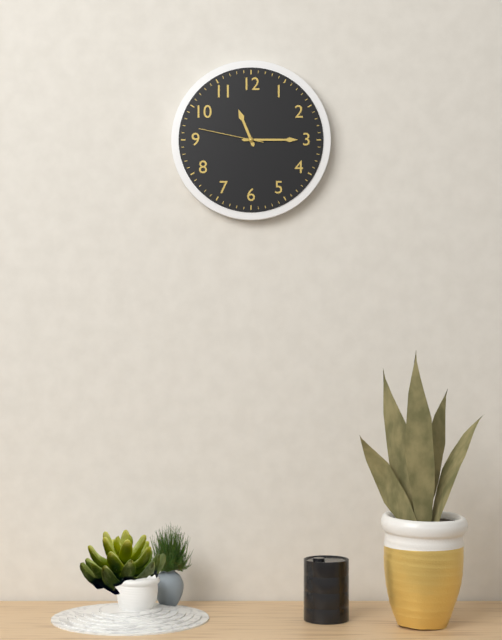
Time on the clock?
11:15:47
